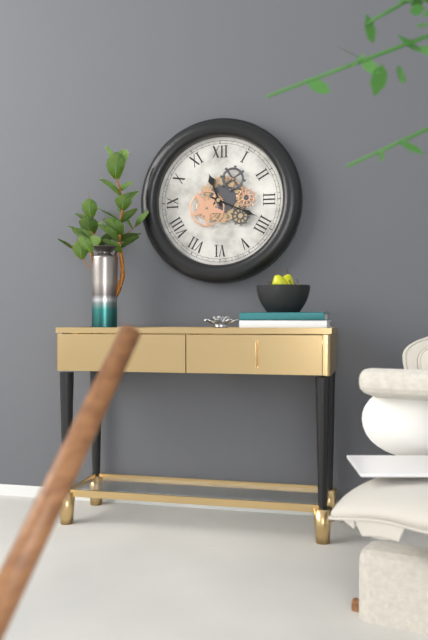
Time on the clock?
11:19
